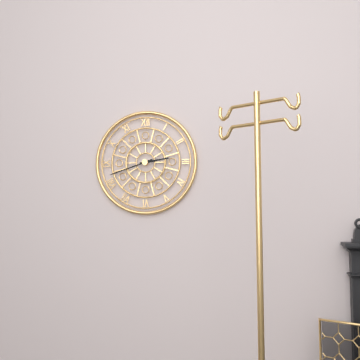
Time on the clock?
2:42
